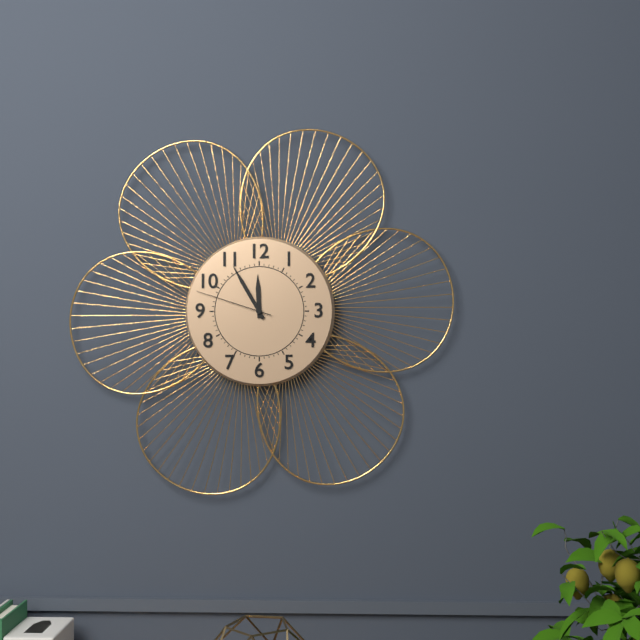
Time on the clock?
11:55:48
